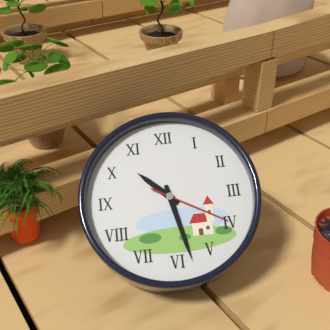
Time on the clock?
10:28:20
